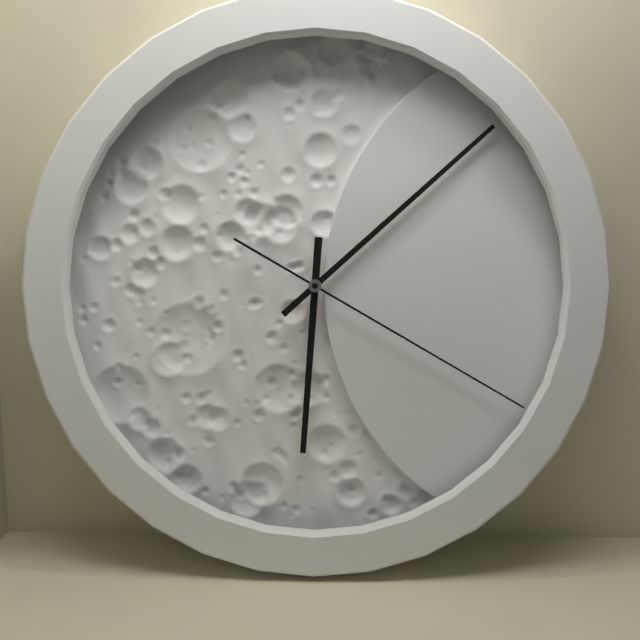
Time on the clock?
6:08:20
